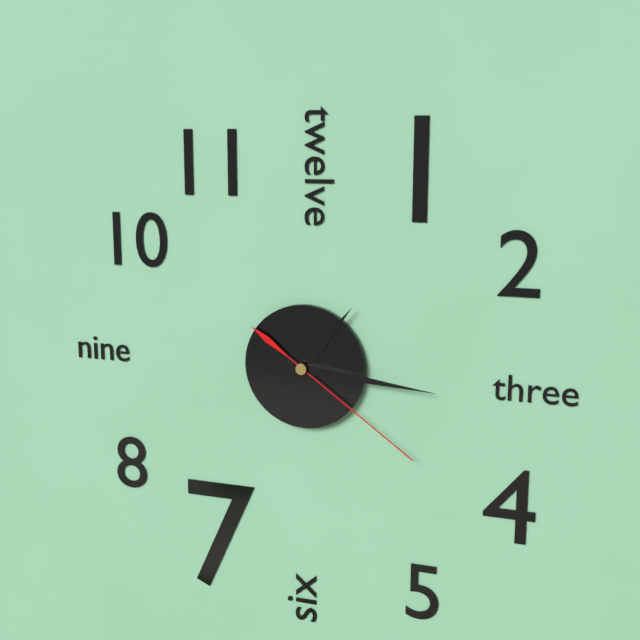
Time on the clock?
1:16:21
